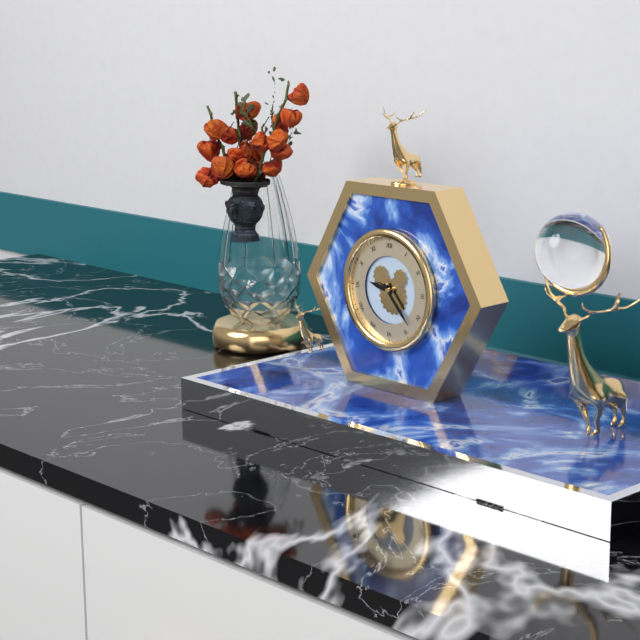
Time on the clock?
9:23
